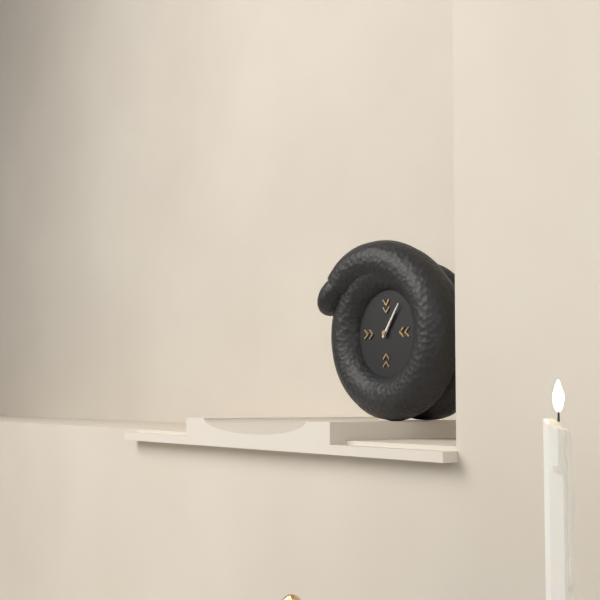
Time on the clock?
1:06
